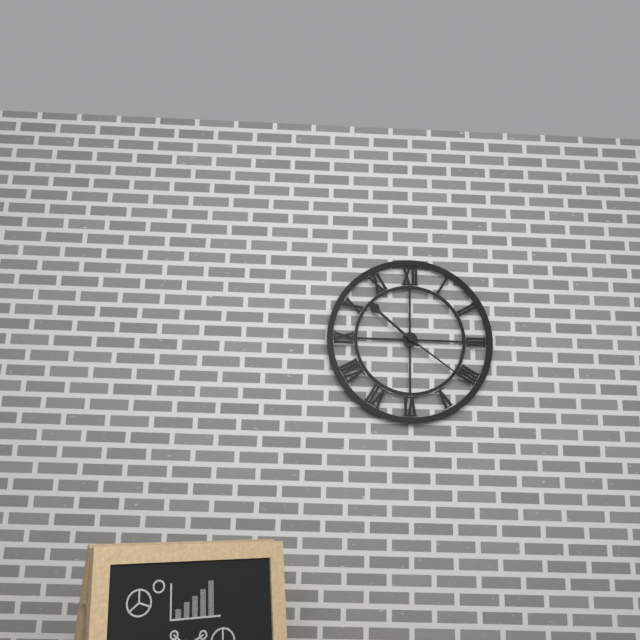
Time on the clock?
10:21
